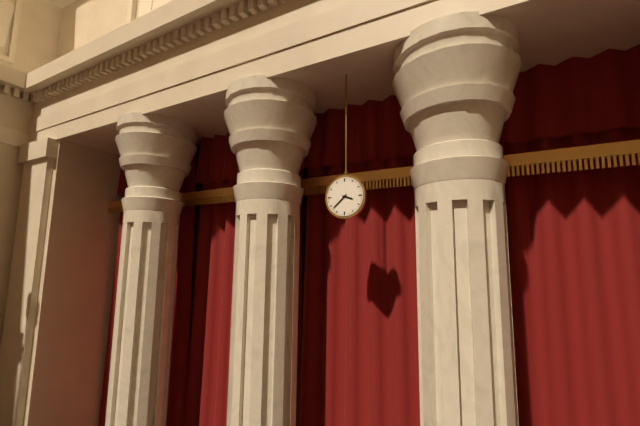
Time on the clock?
3:38
